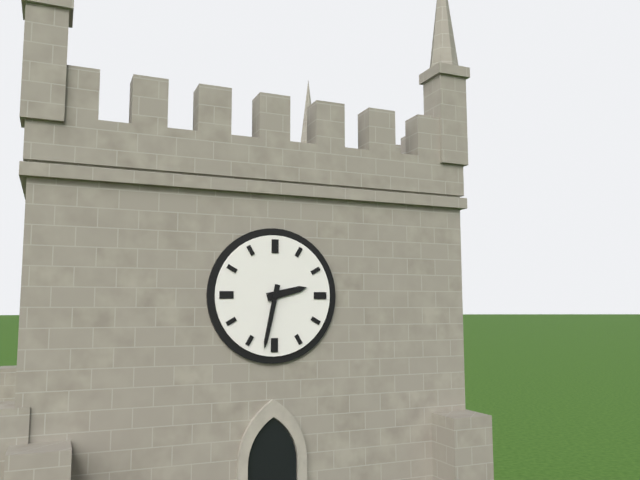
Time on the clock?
2:32
